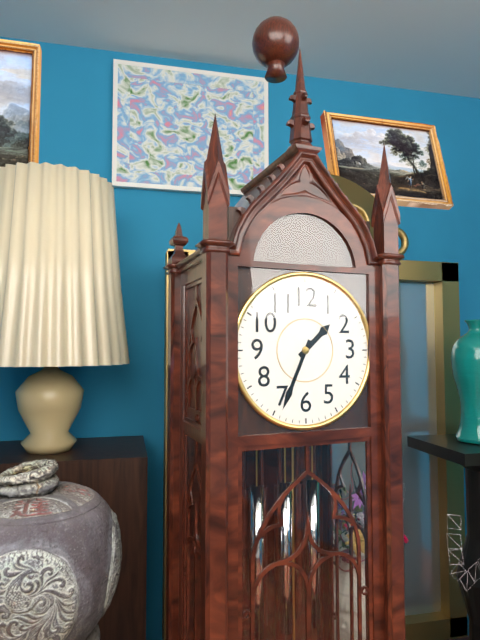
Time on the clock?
1:34
